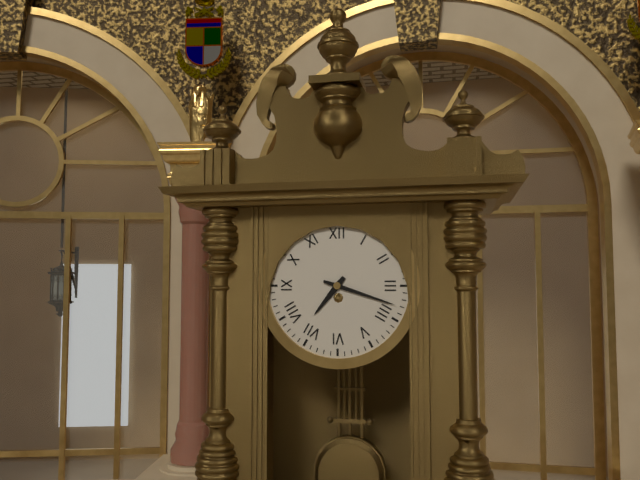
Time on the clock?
7:18
